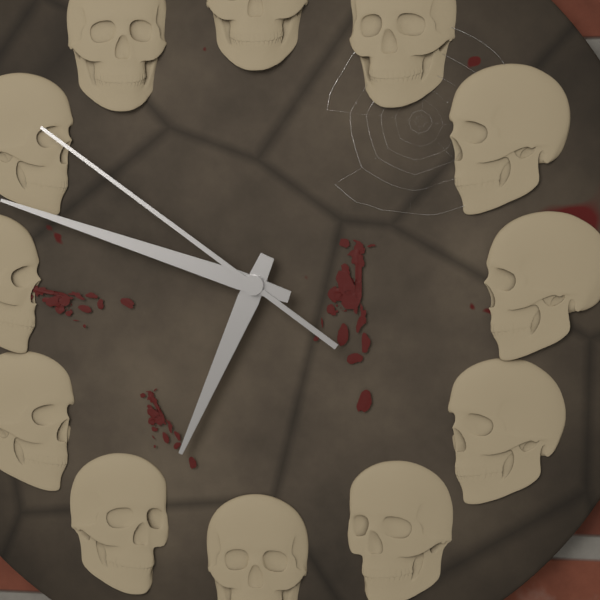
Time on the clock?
6:48:51
